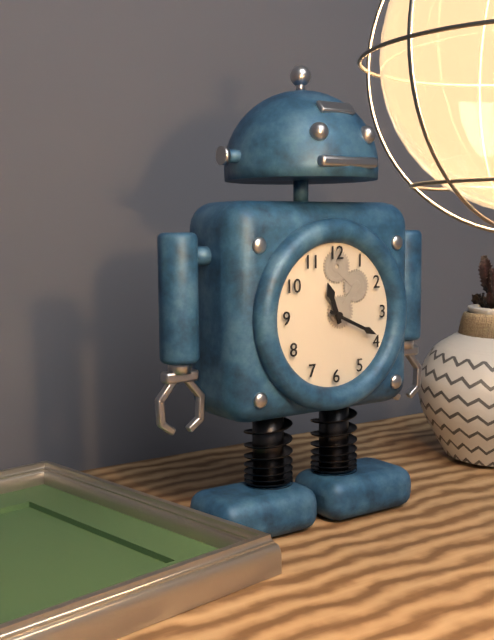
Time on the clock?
11:19
